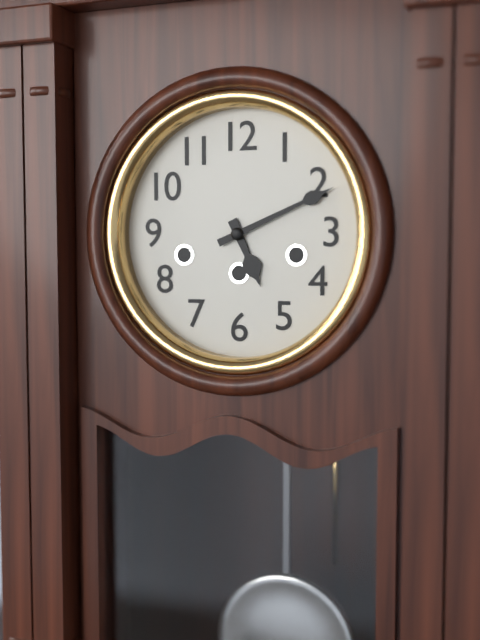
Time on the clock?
5:11
